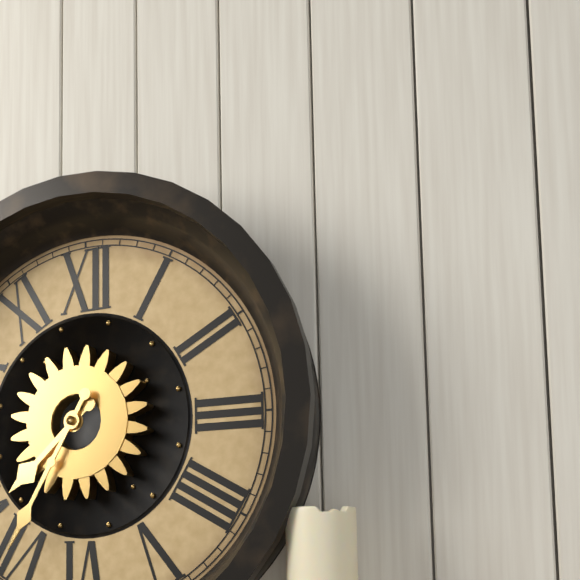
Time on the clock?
7:35
